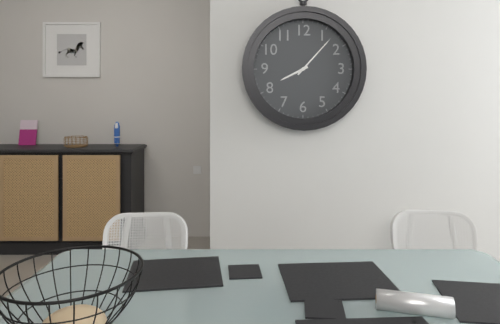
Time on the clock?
8:07
